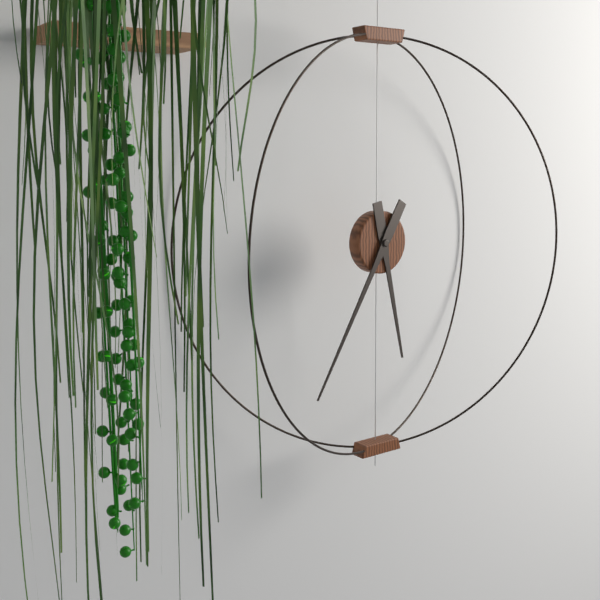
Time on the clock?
5:35
